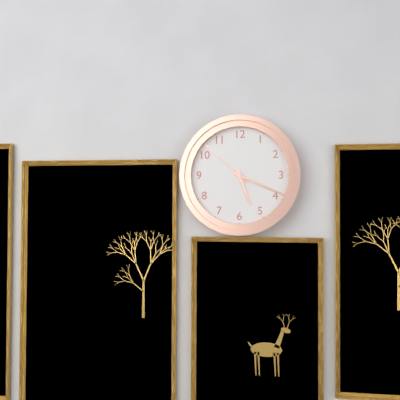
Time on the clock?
5:19:52
